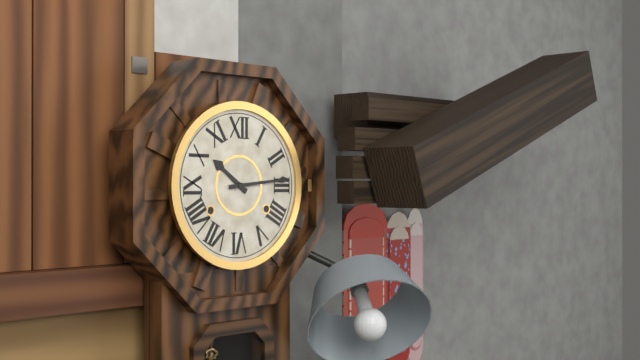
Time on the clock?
10:14
